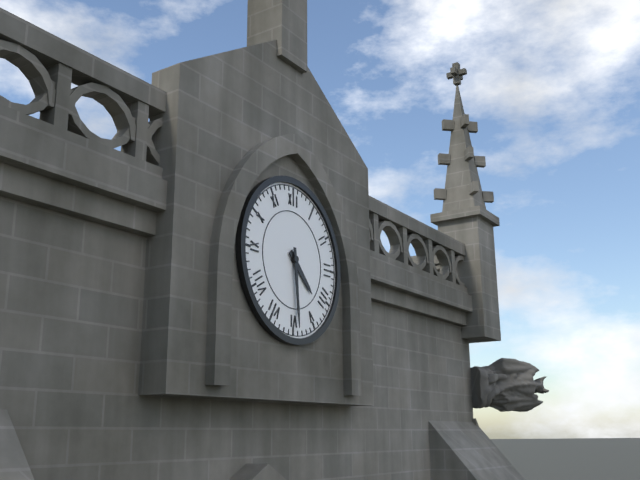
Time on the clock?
4:29
